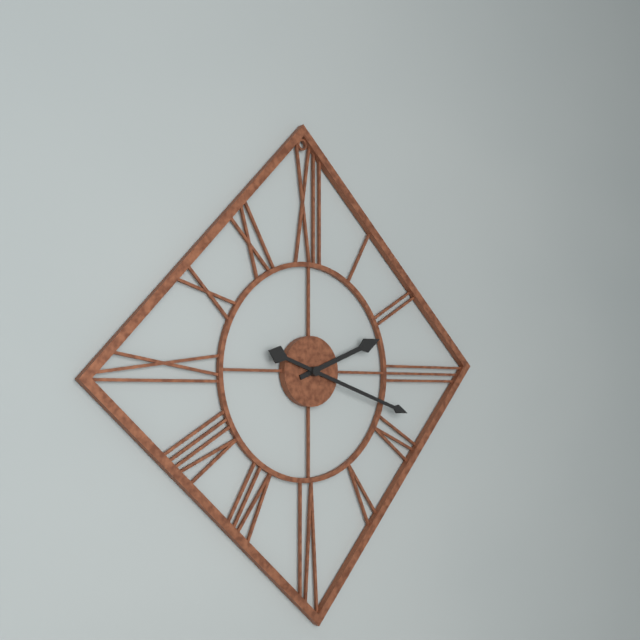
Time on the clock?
2:18
